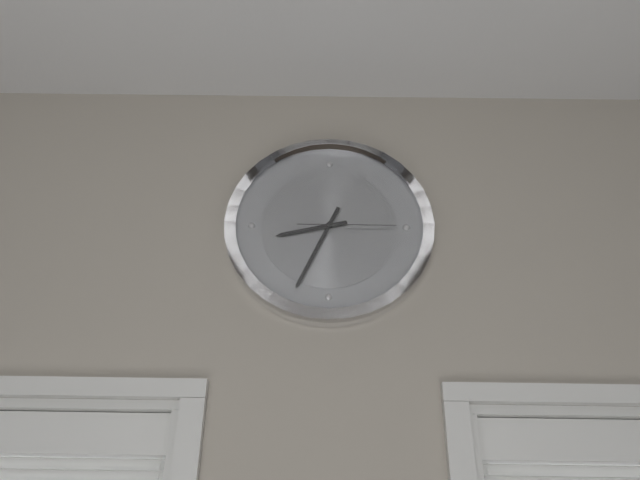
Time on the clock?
8:34:15
